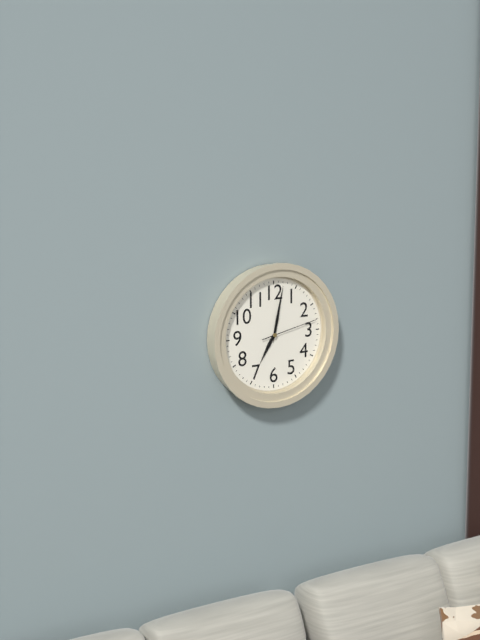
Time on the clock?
7:02:13
